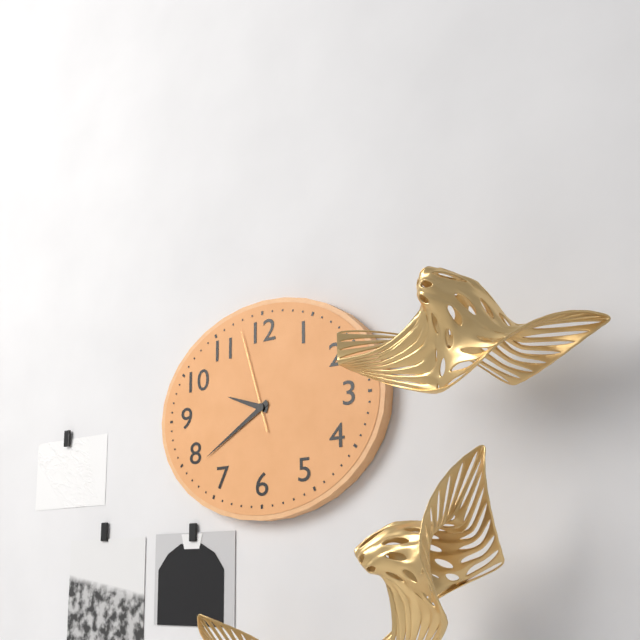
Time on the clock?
9:40:57
